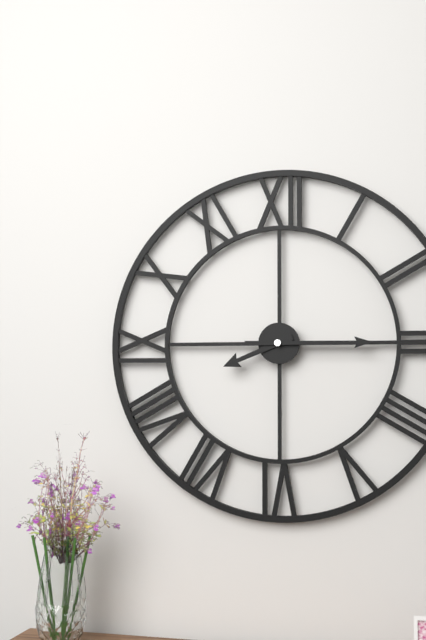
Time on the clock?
8:15
